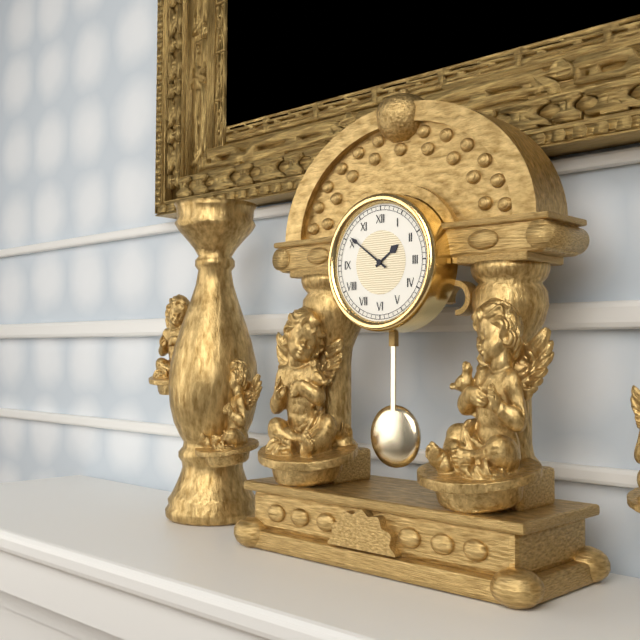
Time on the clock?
1:51
